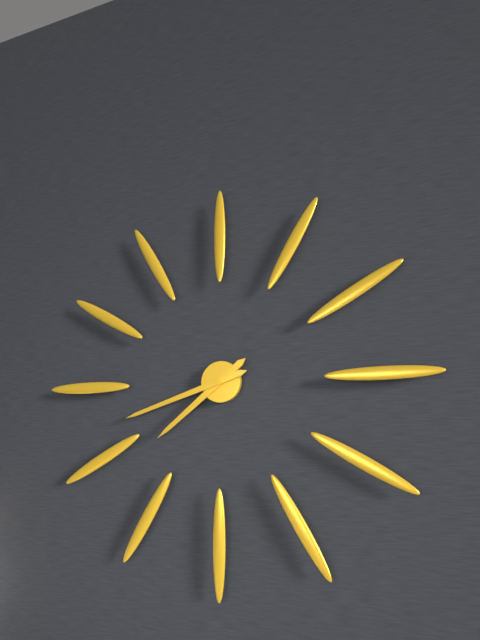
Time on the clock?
7:42
